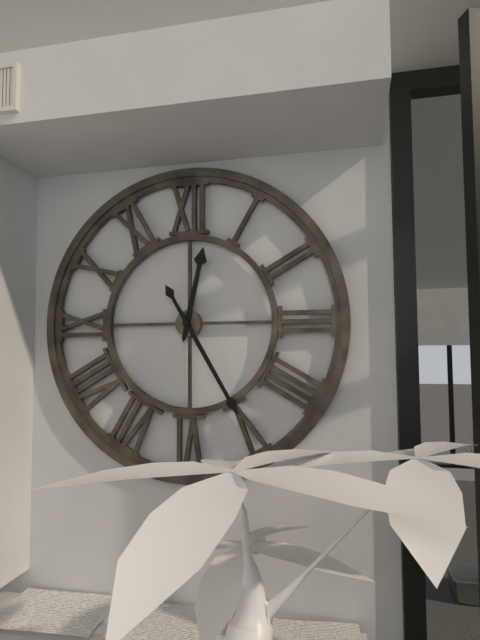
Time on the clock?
12:25
